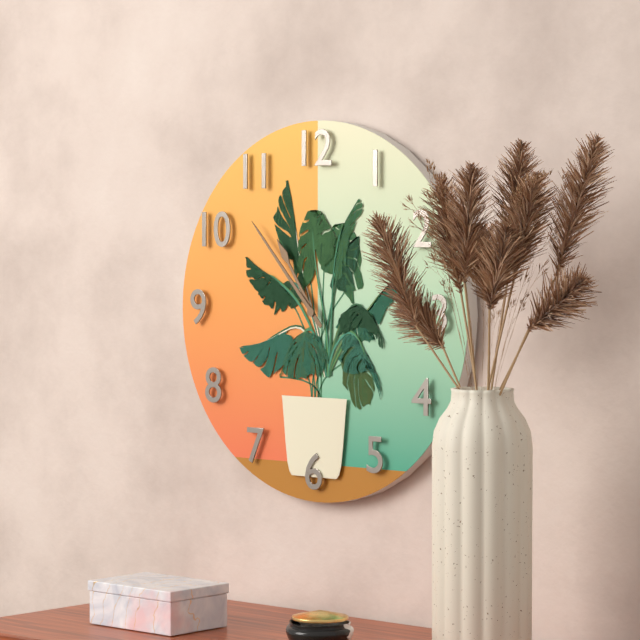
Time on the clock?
10:53
